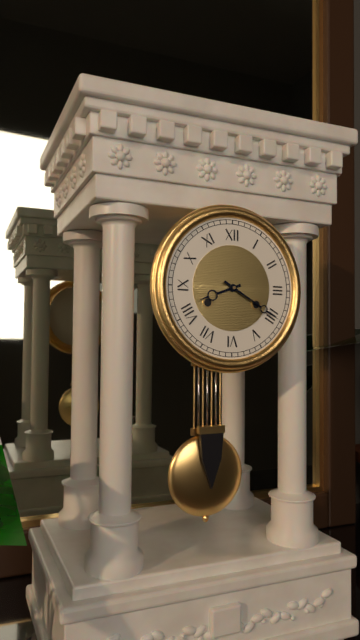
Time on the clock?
8:20
